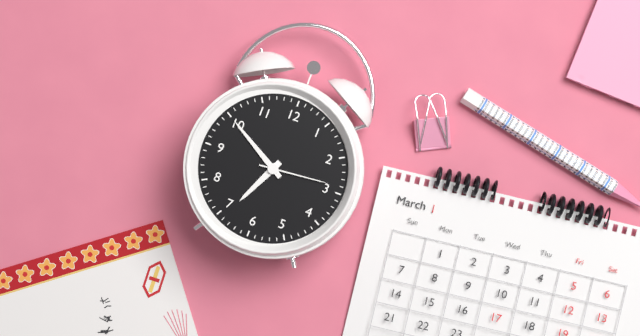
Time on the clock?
6:50:14
